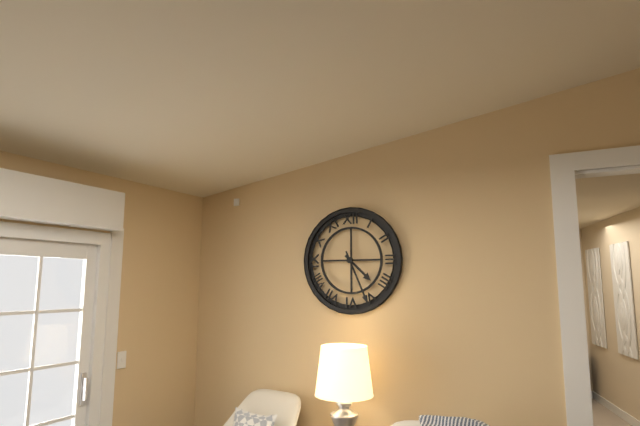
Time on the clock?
4:26
